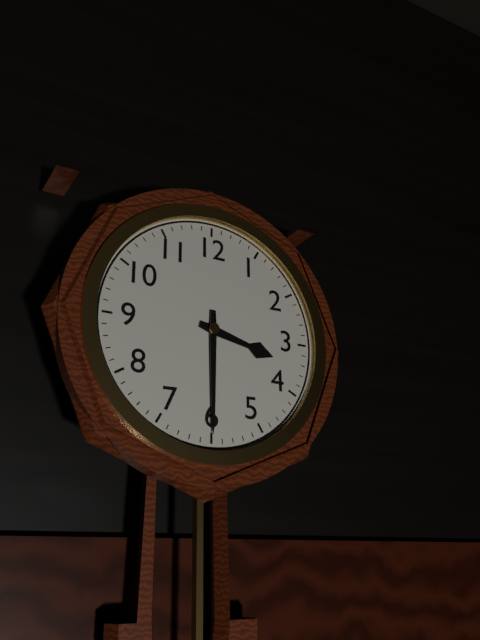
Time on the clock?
3:30
